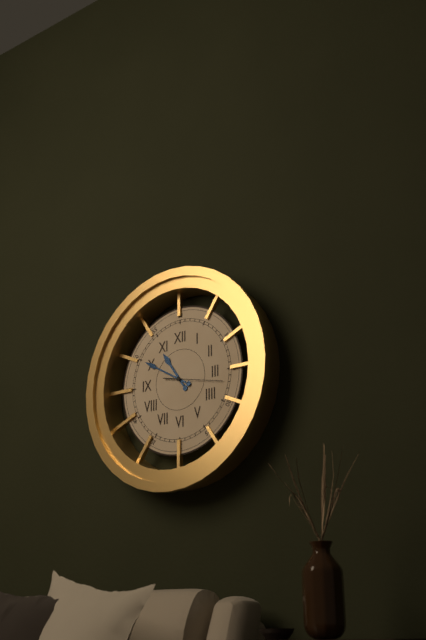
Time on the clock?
10:50:17
